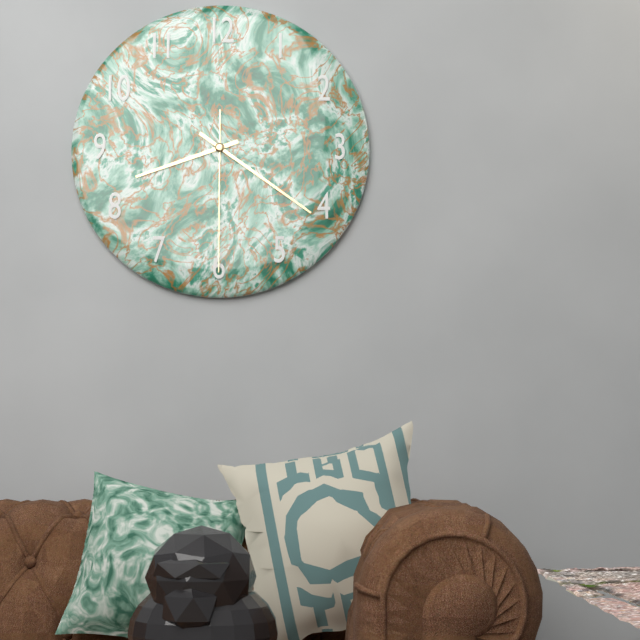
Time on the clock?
8:21:30
